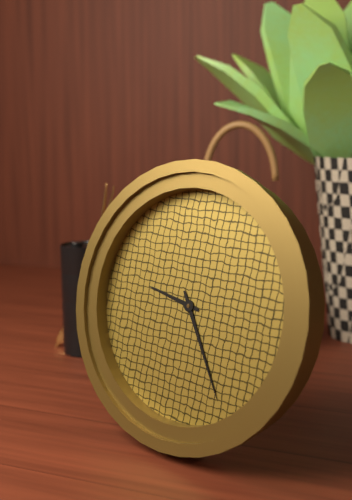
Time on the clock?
9:25
